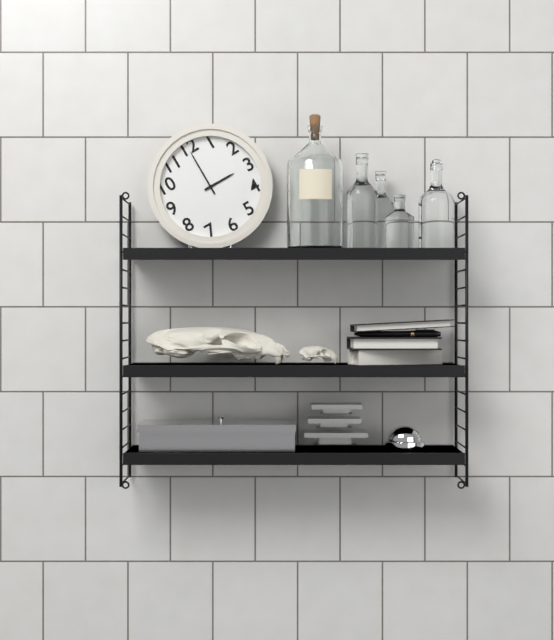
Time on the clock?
3:00
